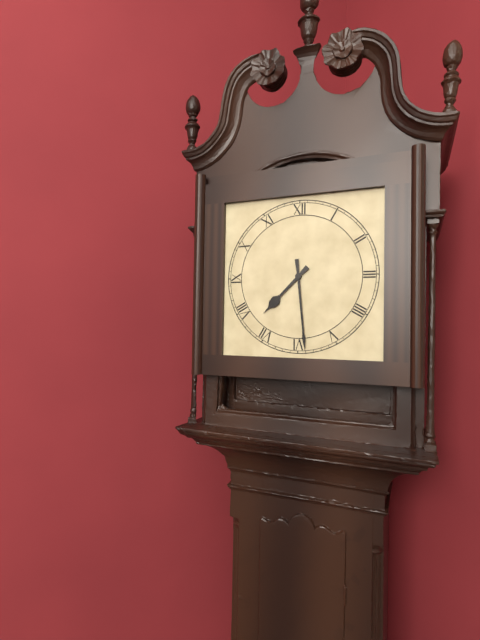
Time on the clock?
7:29
